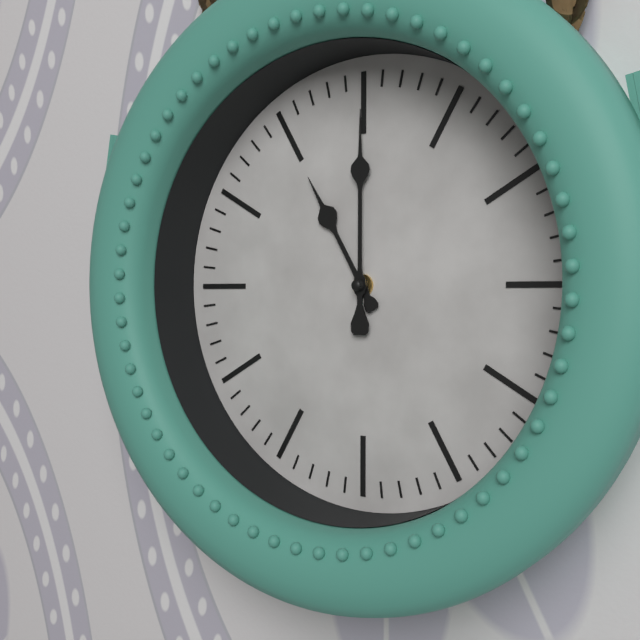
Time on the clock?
11:00
